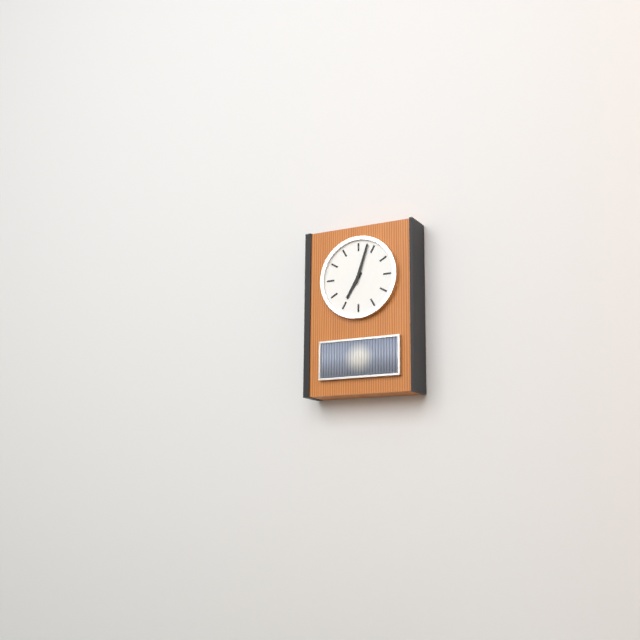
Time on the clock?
7:03
